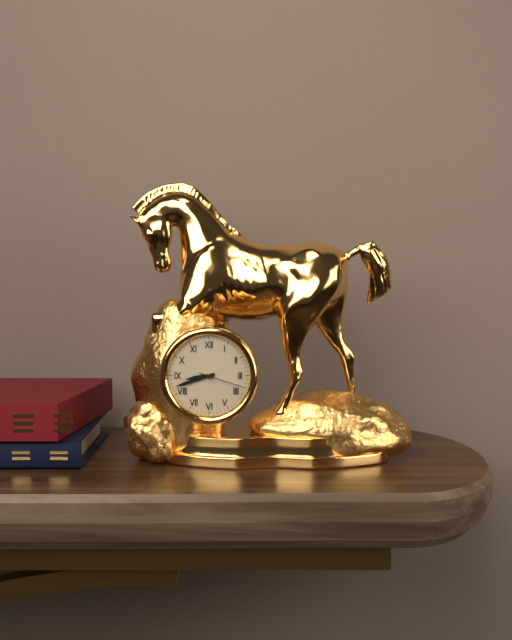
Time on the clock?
8:42
